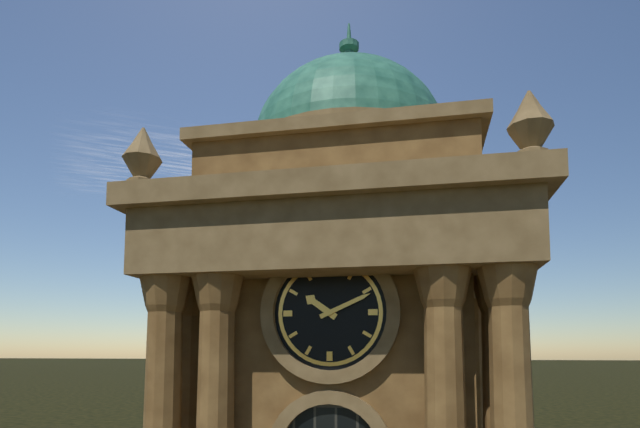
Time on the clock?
10:11
